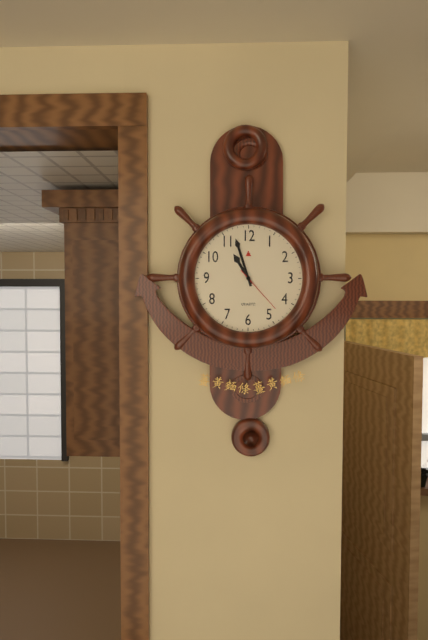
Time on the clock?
10:57:23
